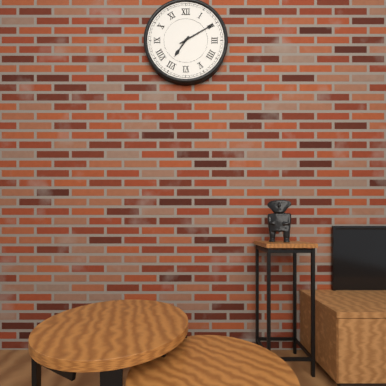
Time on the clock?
7:10
